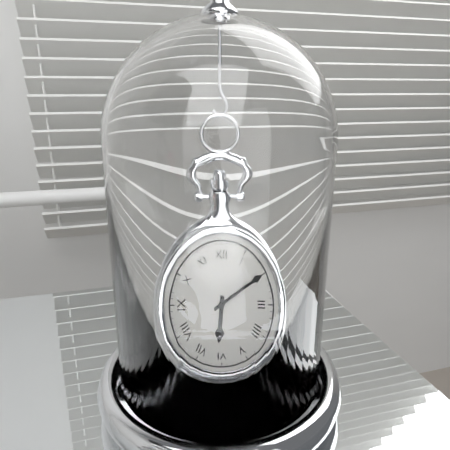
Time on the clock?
6:10
